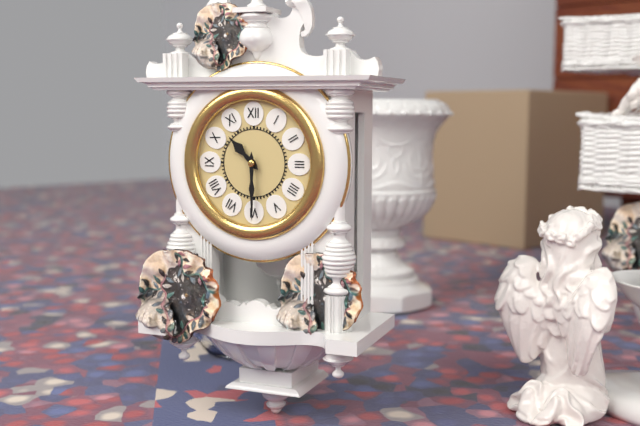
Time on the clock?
10:30
